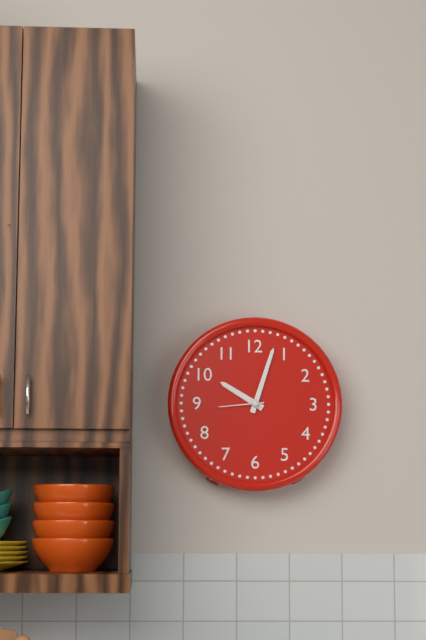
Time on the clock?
10:03
